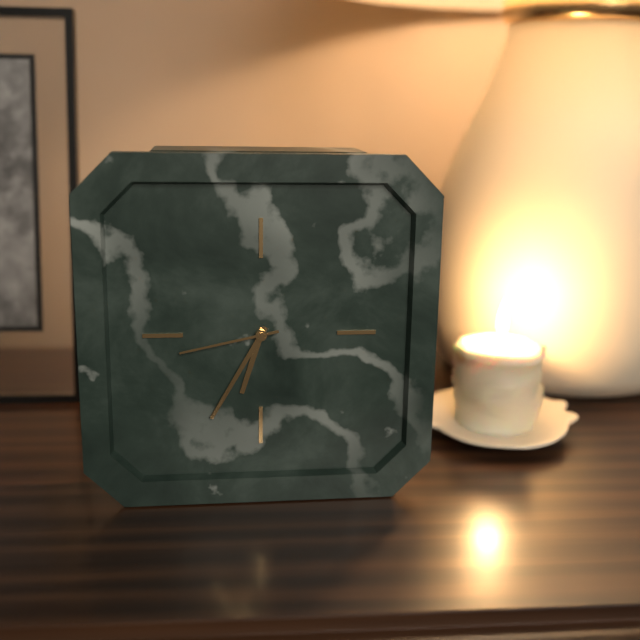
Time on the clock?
6:35:43
